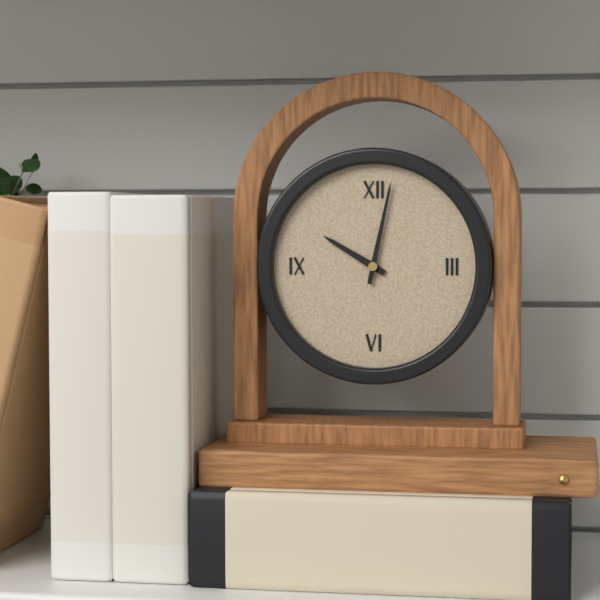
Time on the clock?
10:02
